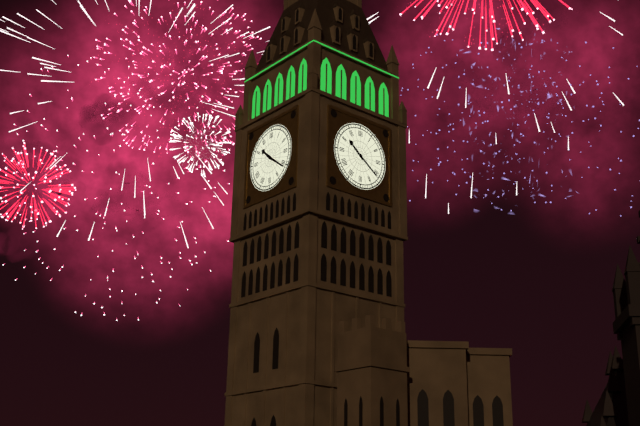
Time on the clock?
10:21
